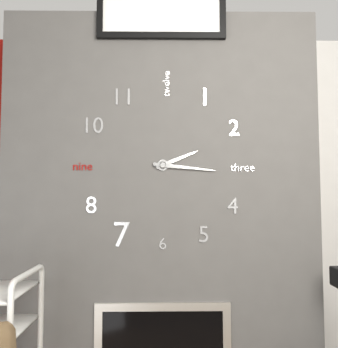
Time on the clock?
2:16
